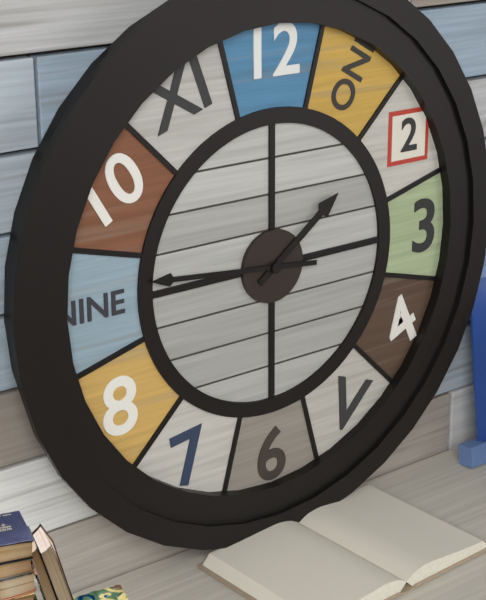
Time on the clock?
1:46
